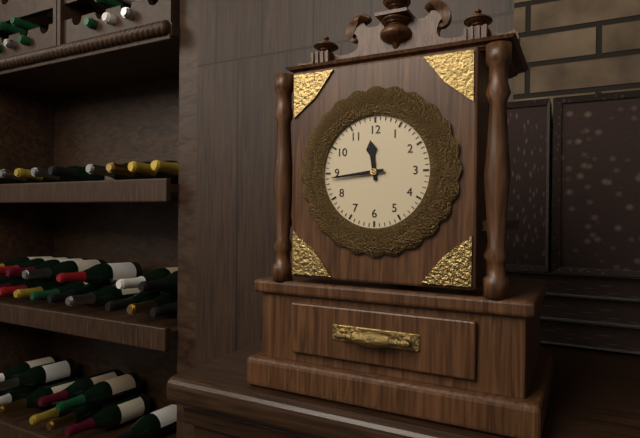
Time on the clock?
11:44
